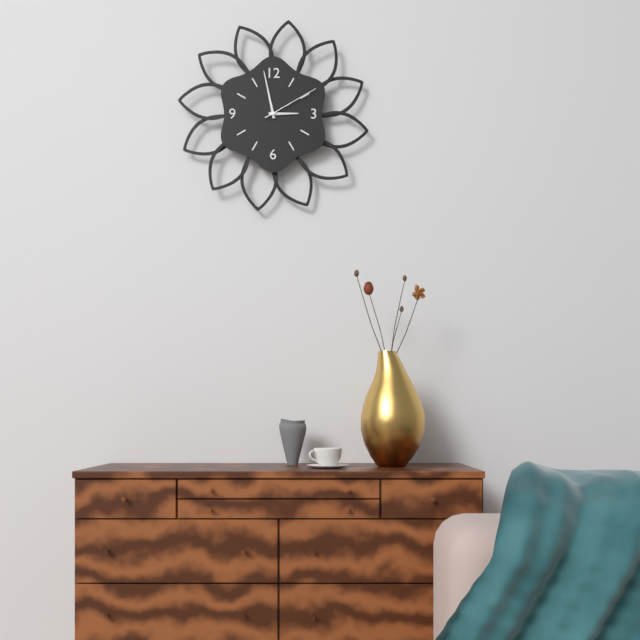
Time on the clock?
2:58:10
